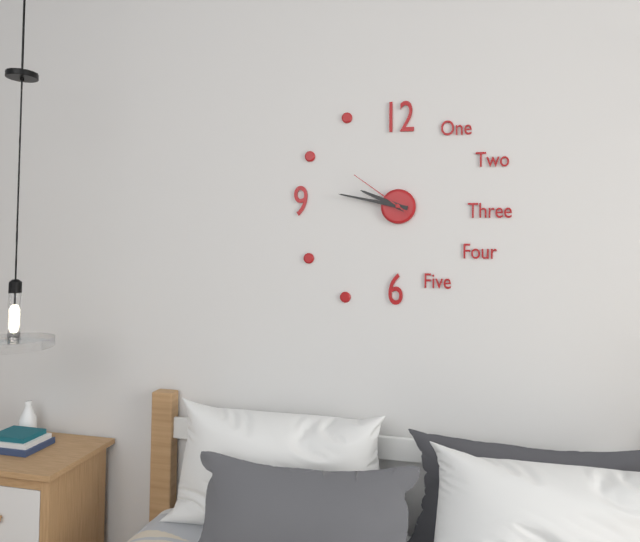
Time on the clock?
9:47:51
